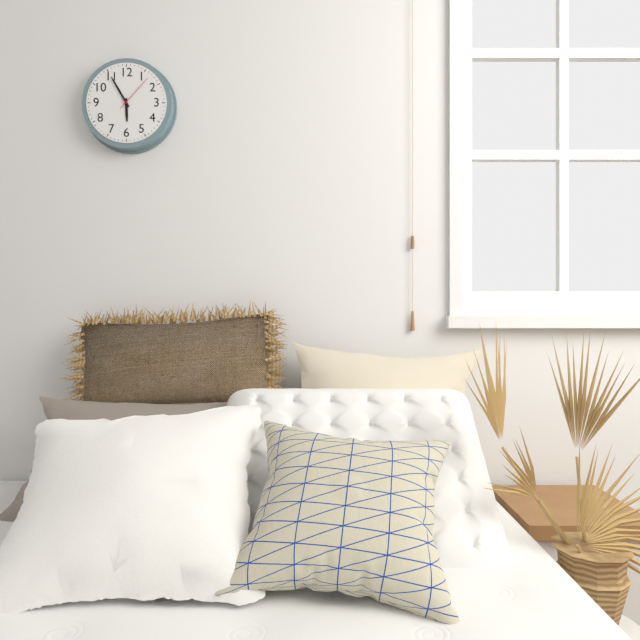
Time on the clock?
5:55
